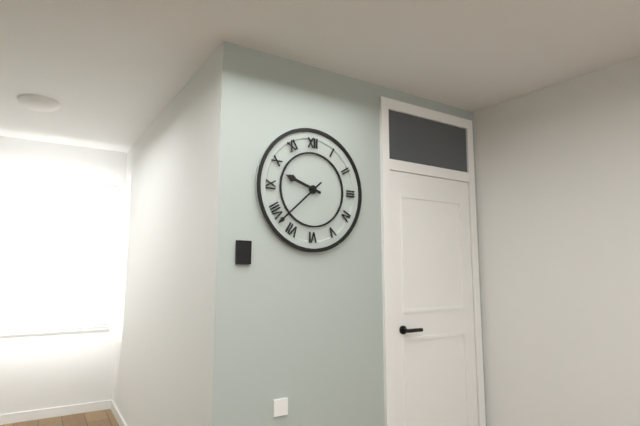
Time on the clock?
9:38
